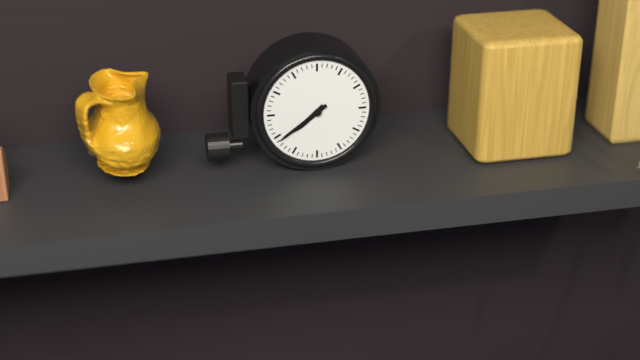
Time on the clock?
7:39
